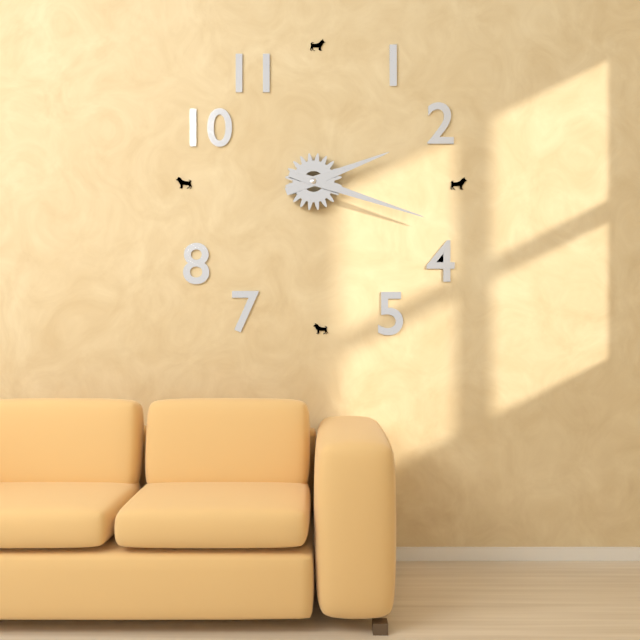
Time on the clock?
2:18
